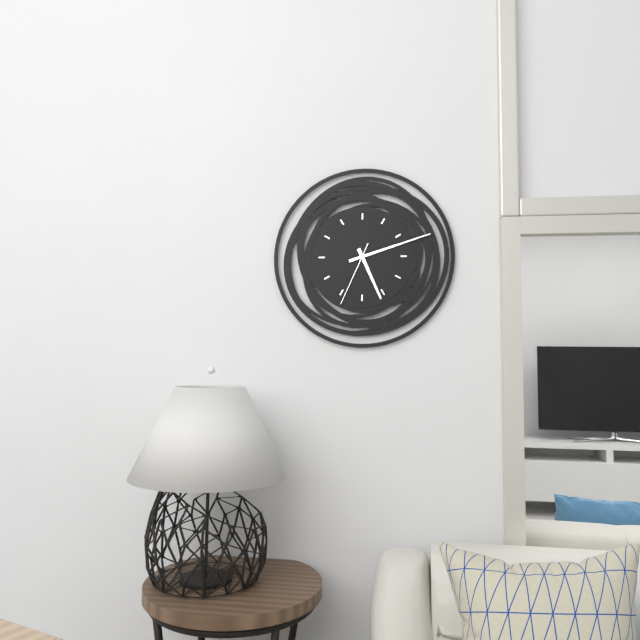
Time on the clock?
5:12:34
